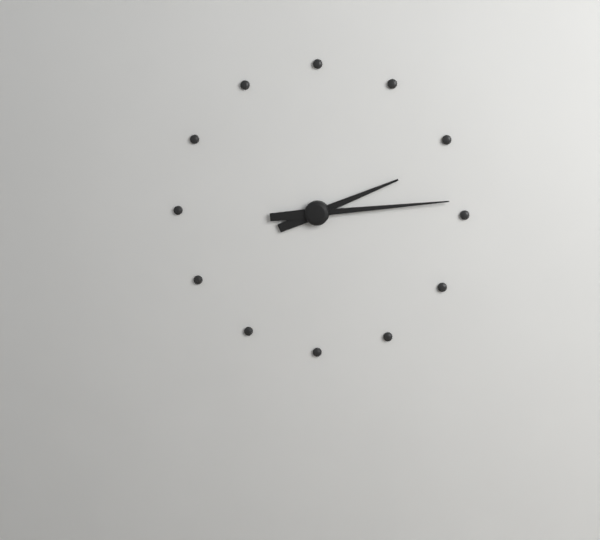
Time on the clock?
2:14
